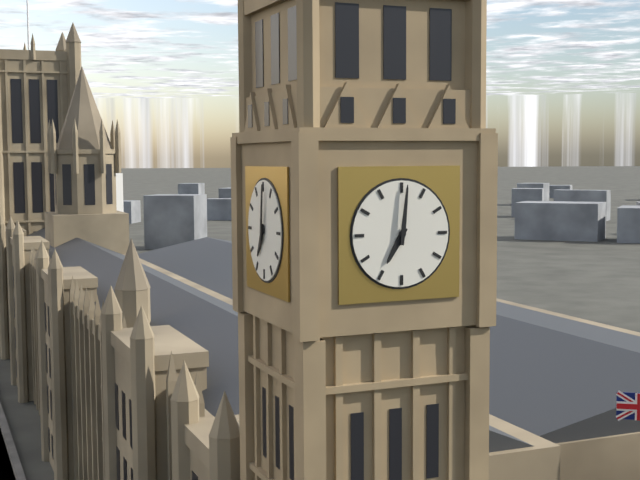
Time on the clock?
7:01
